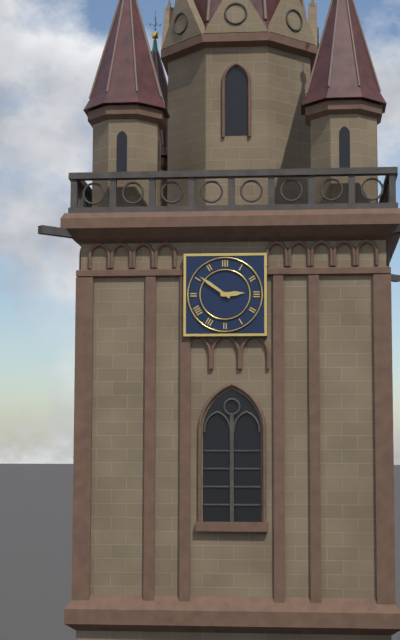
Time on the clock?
2:51
